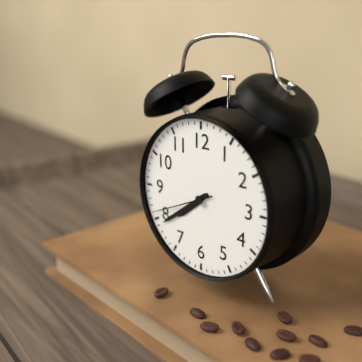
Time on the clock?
7:39:41
